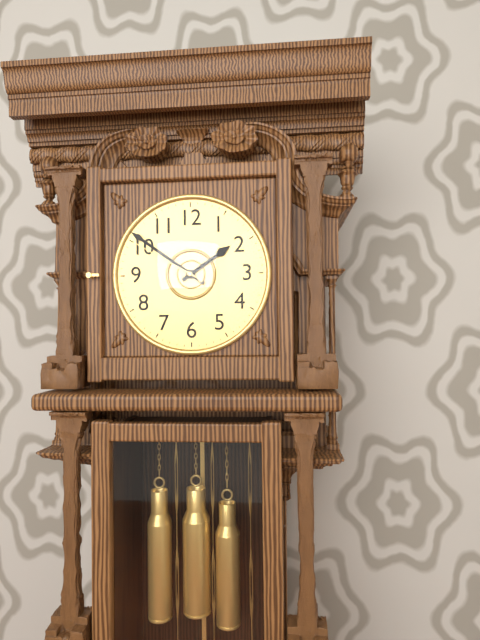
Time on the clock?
1:51:50
